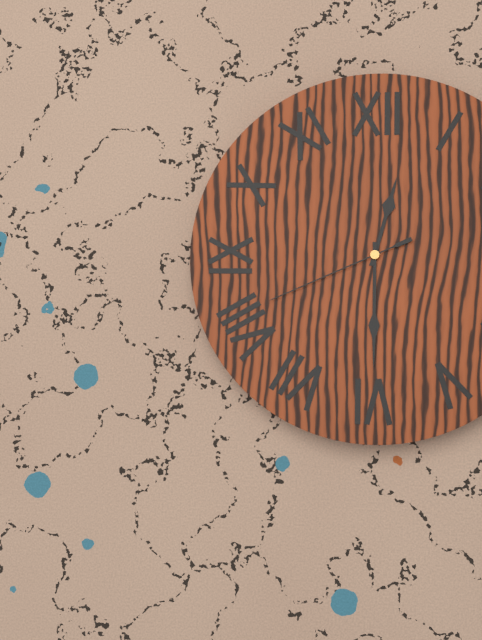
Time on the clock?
12:30:41
